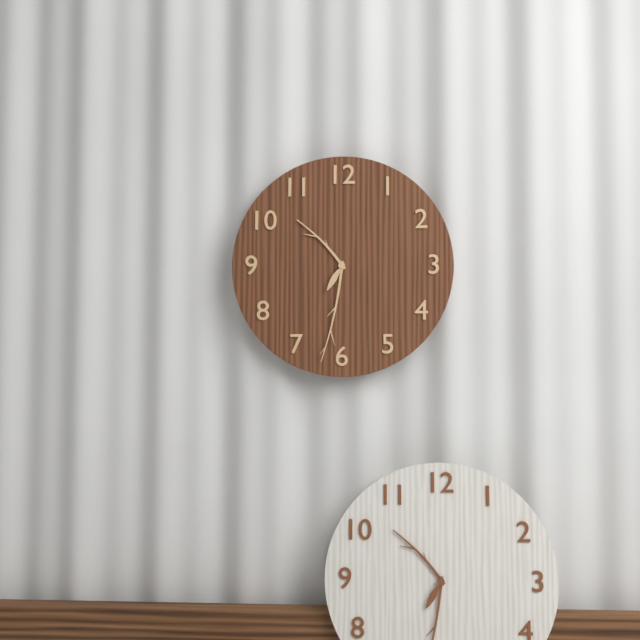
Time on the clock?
10:32
